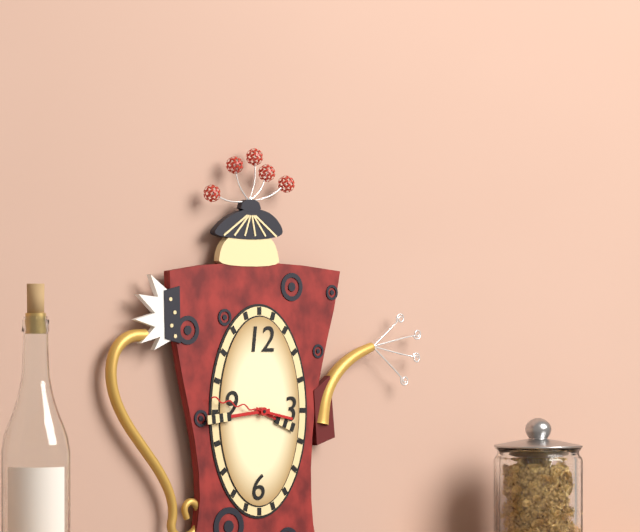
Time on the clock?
3:44:47
